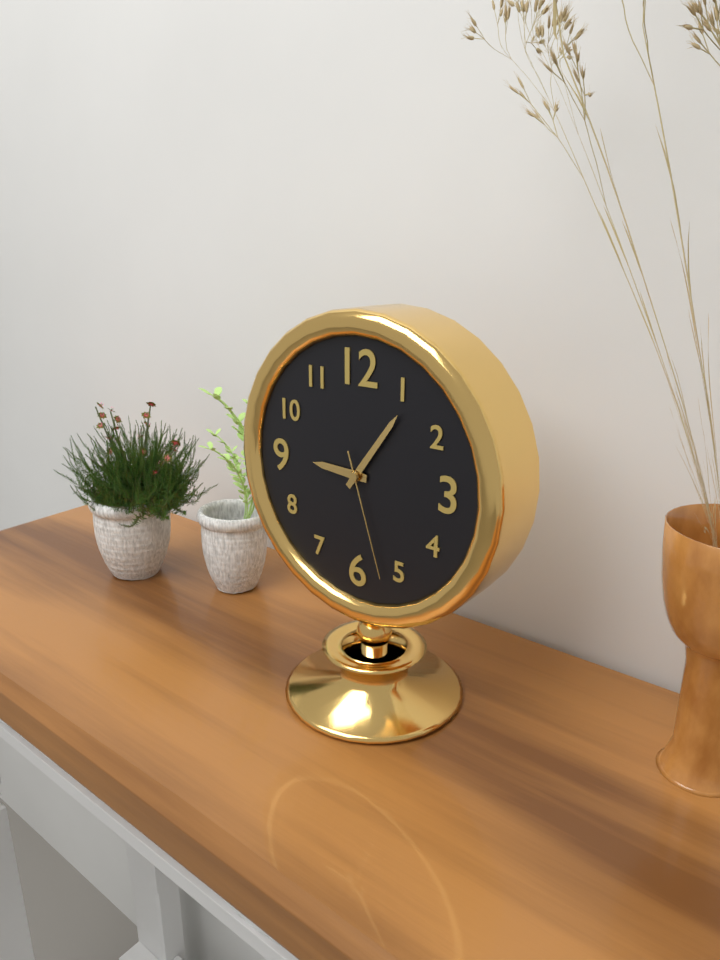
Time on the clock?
9:06:27
